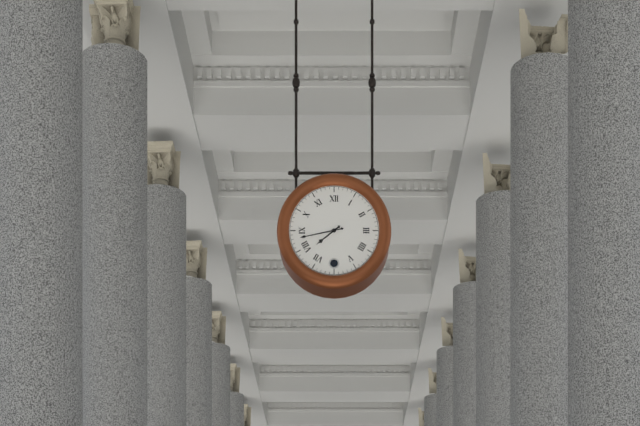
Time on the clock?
7:43
